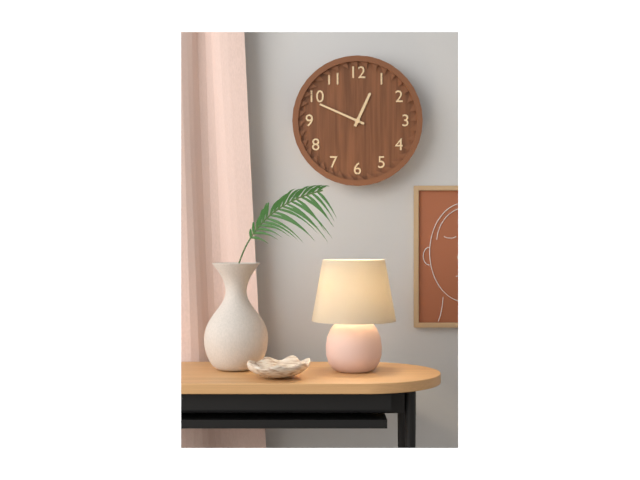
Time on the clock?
12:49
